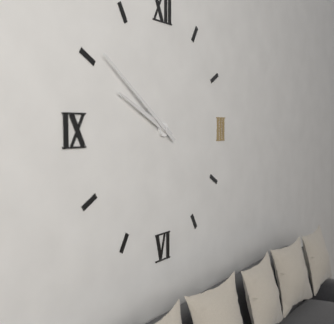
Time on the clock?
9:51
